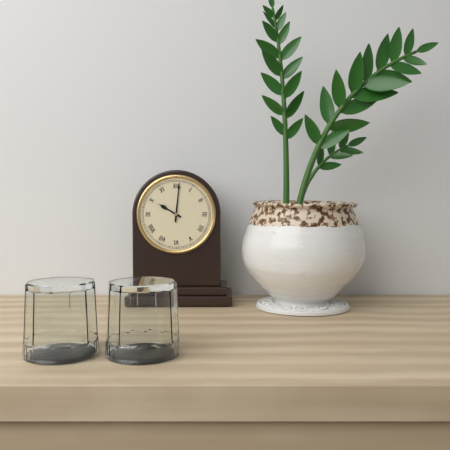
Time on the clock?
10:01
